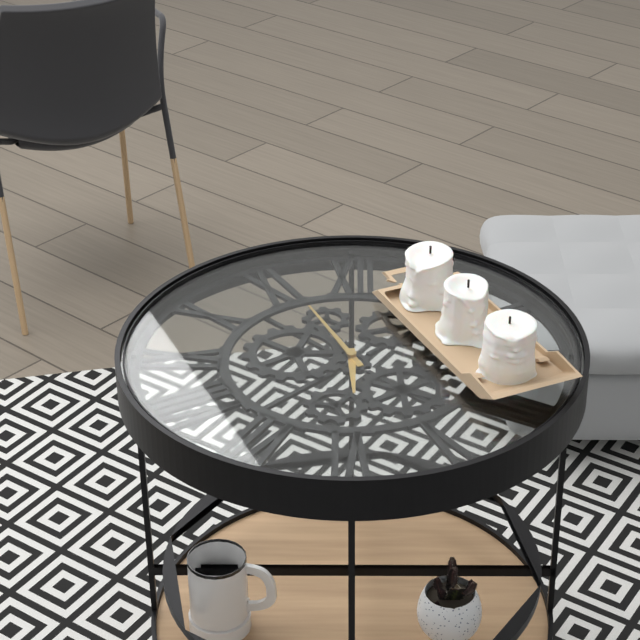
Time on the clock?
5:56
